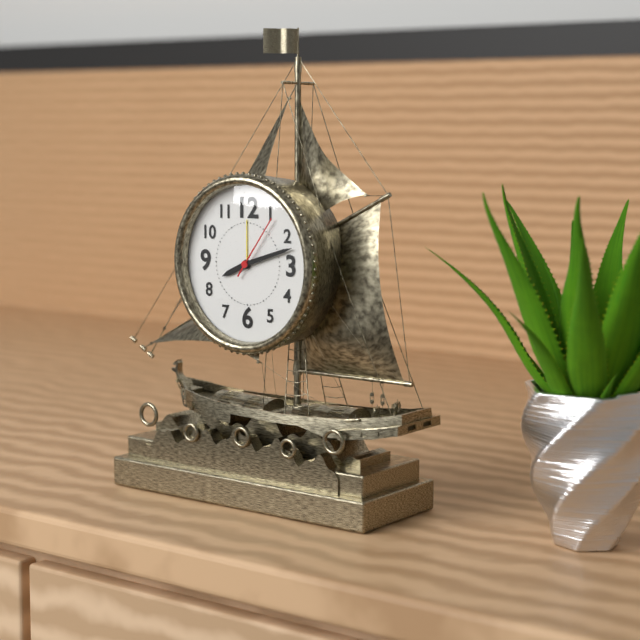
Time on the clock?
8:12:06
